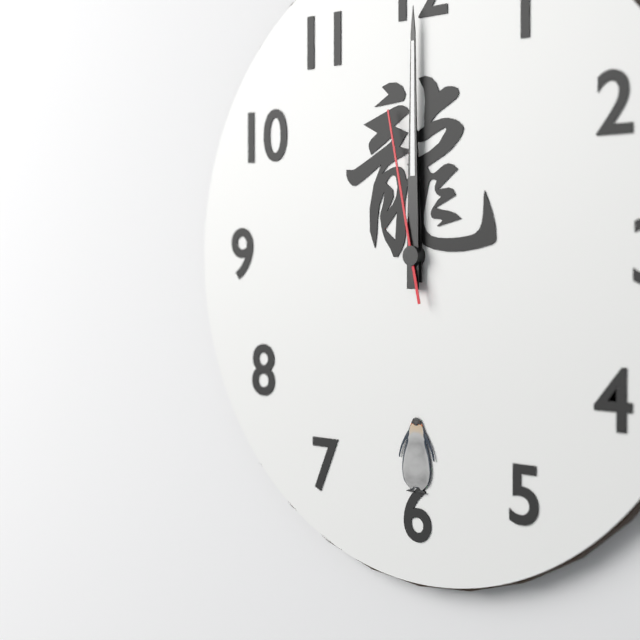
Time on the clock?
12:00:58
